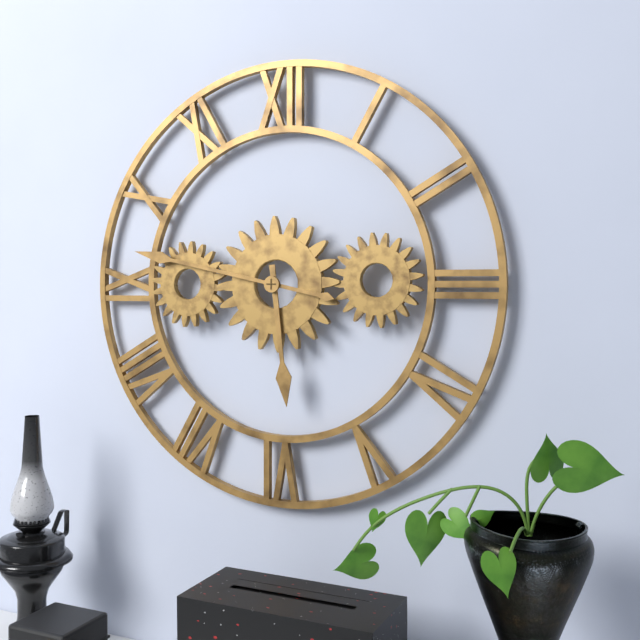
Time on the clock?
5:47
